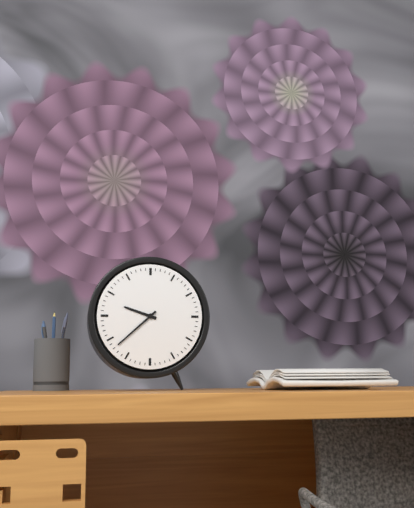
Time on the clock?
9:38
